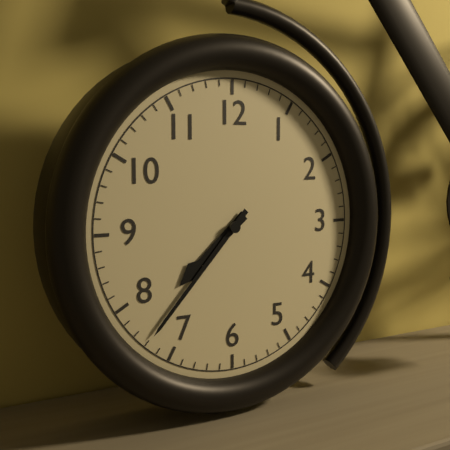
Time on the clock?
7:37
